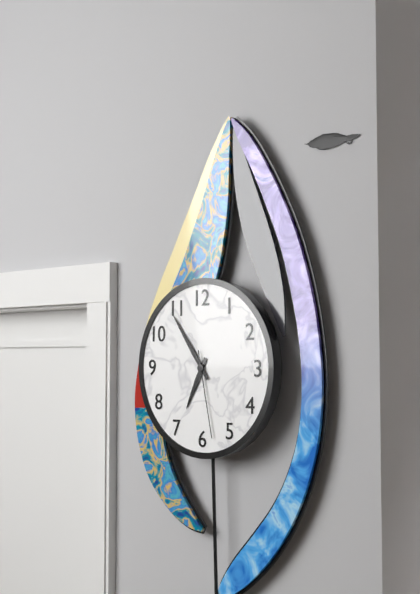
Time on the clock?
6:54:28
